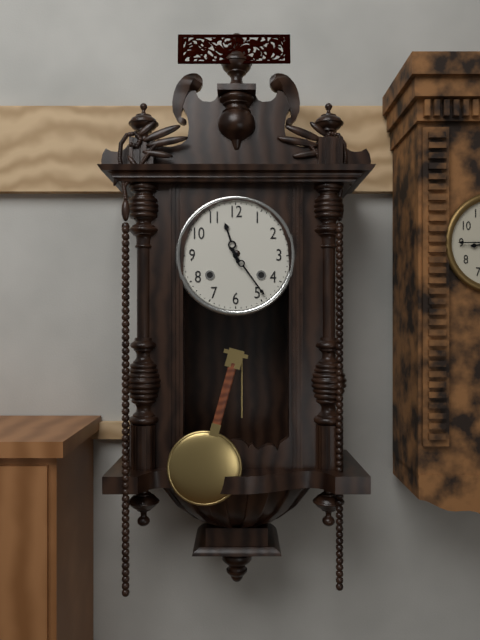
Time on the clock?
11:24
